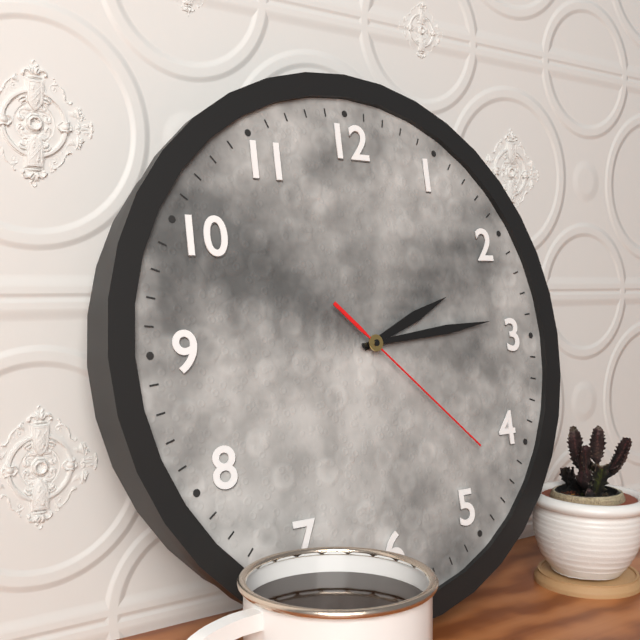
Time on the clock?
2:14:22
